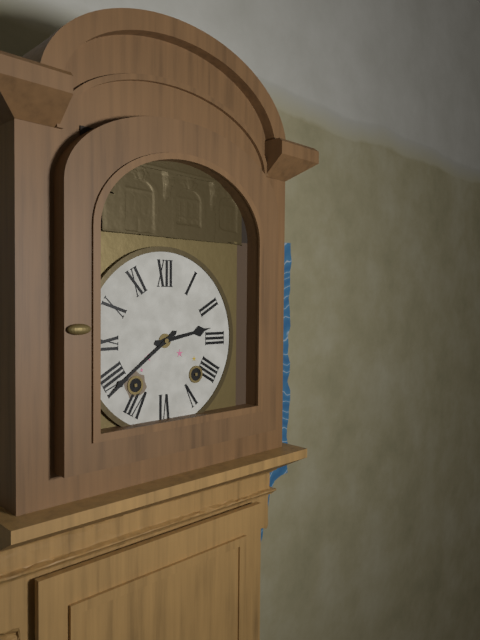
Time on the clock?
2:39
